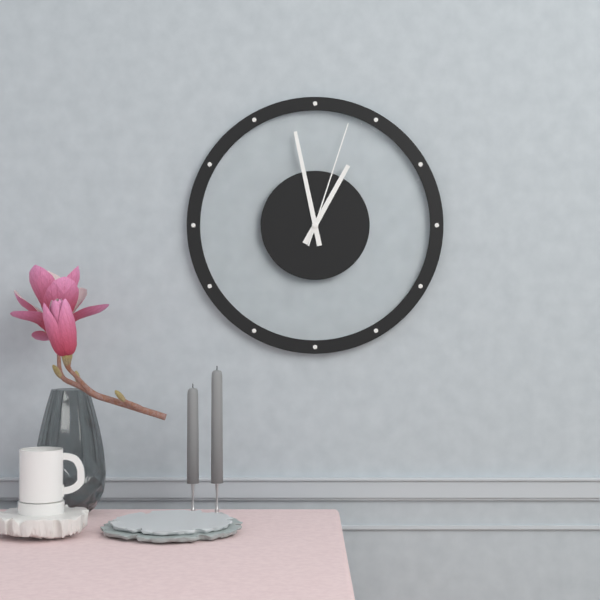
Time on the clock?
12:58:03
